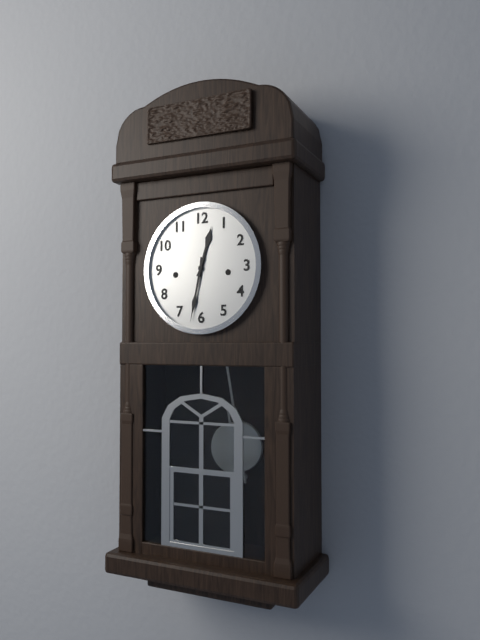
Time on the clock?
12:32
